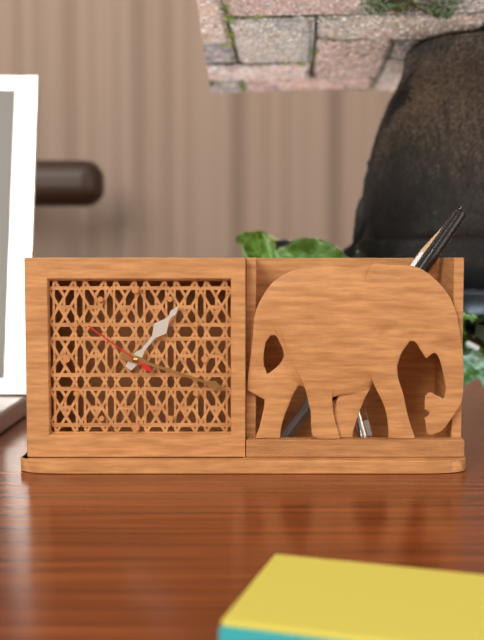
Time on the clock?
1:18:51
